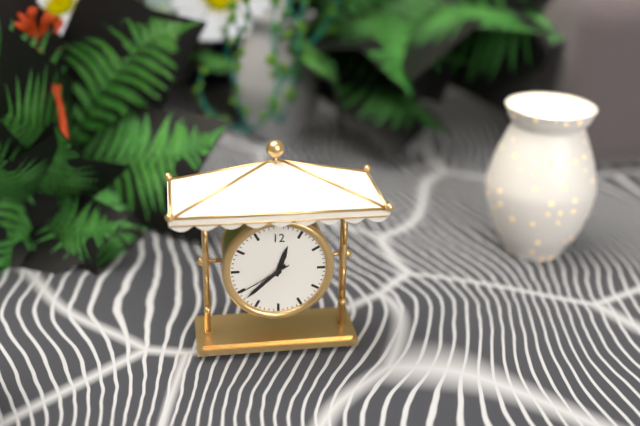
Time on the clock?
12:38:40
